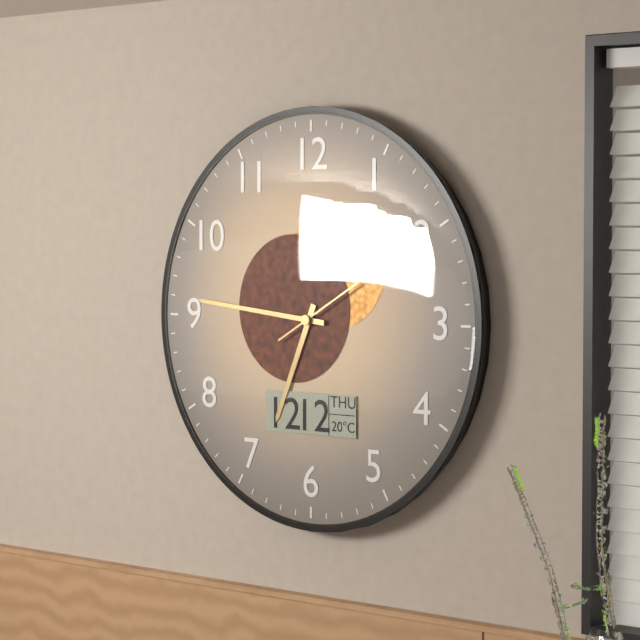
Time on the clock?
6:46:10
